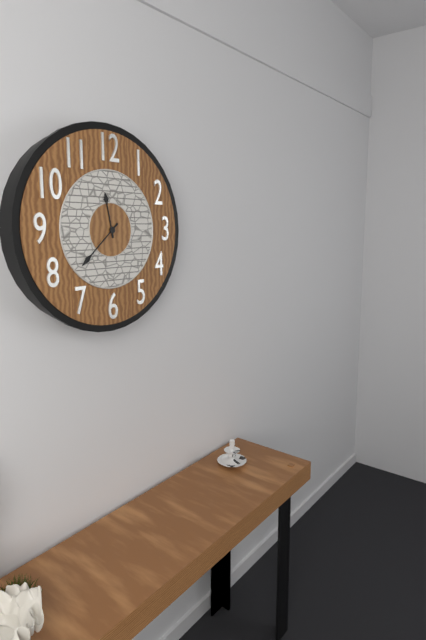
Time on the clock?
11:38
